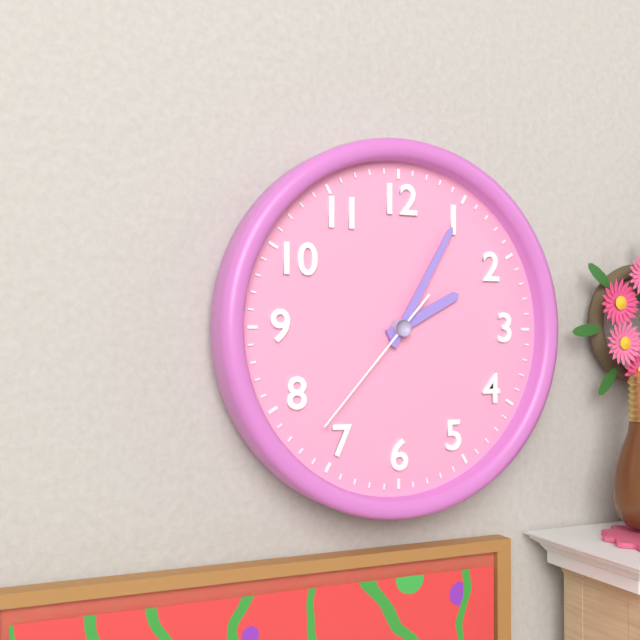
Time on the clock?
2:05:37
